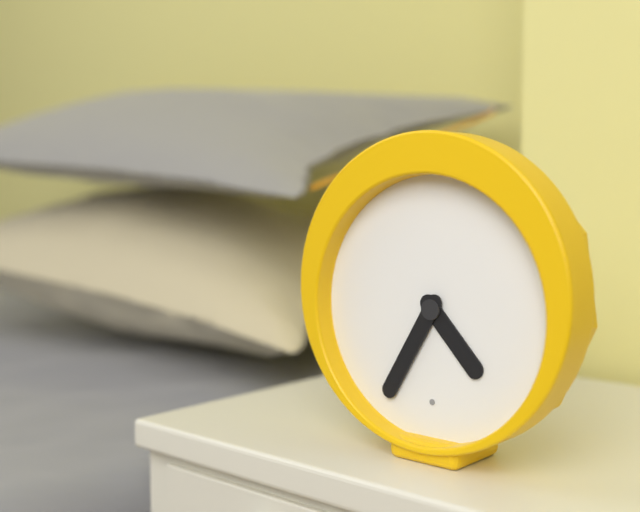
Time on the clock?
4:35
